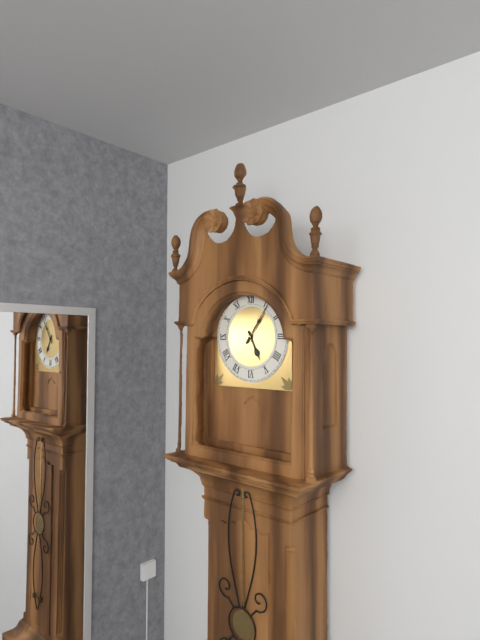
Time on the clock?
5:06
